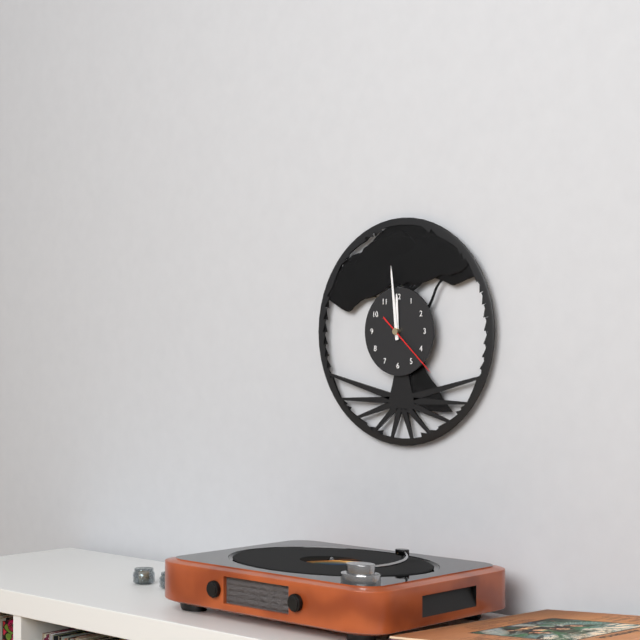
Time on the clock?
11:59:22
